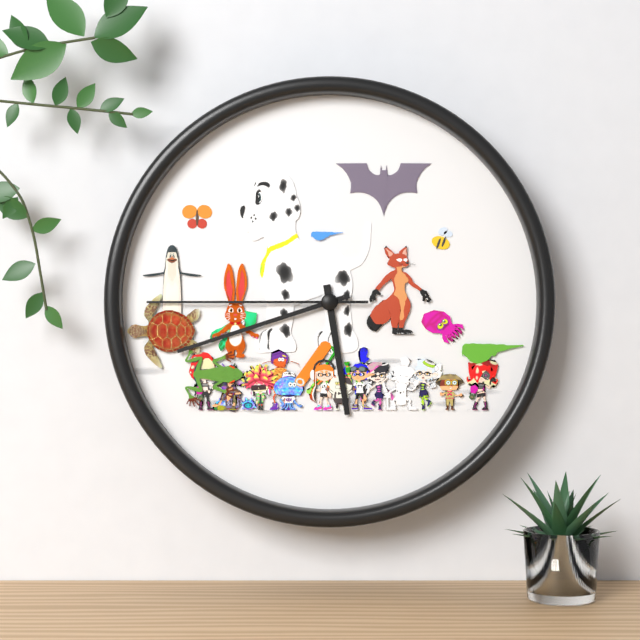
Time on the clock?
5:42:45
